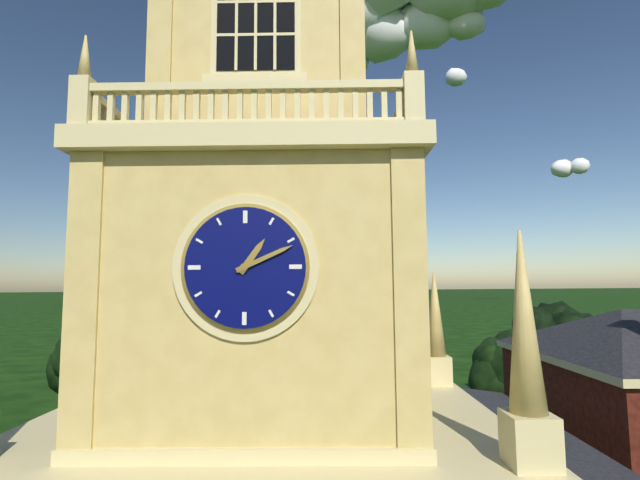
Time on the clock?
1:11
